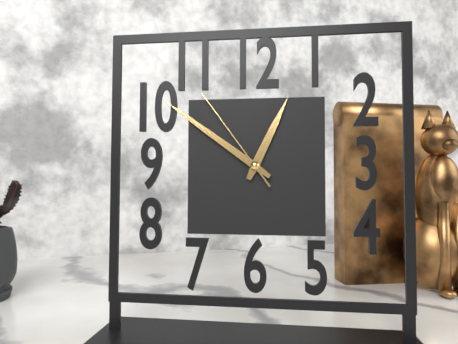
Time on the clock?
12:51:54
